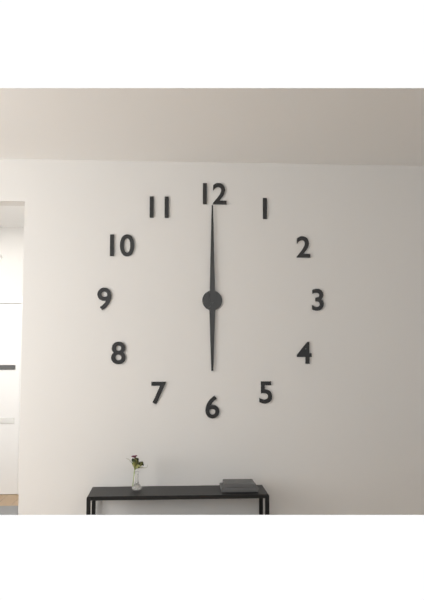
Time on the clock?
6:00
